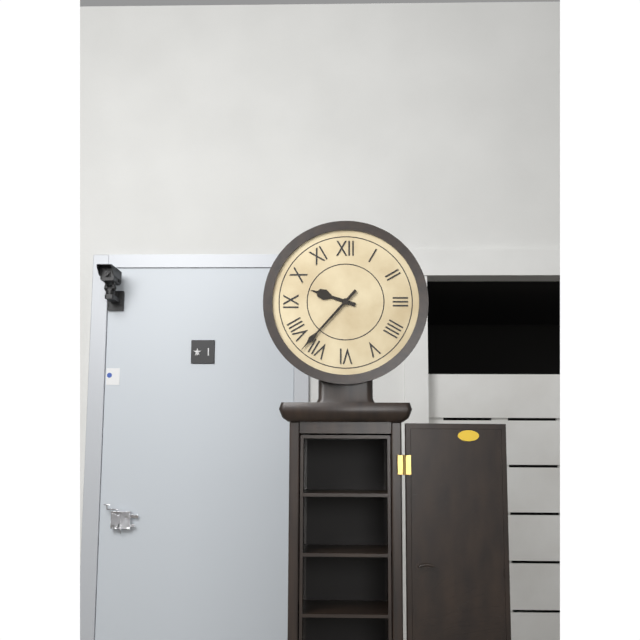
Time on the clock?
9:37
